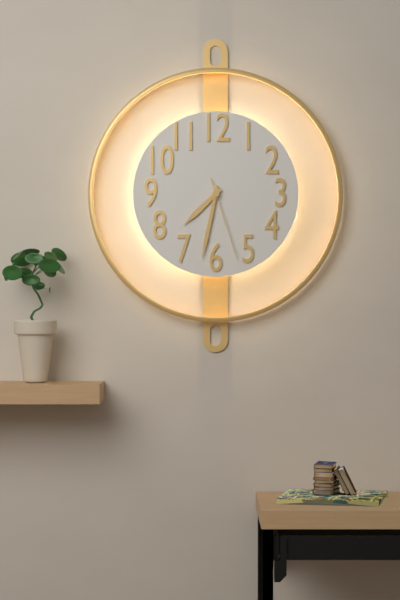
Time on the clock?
7:32:27
